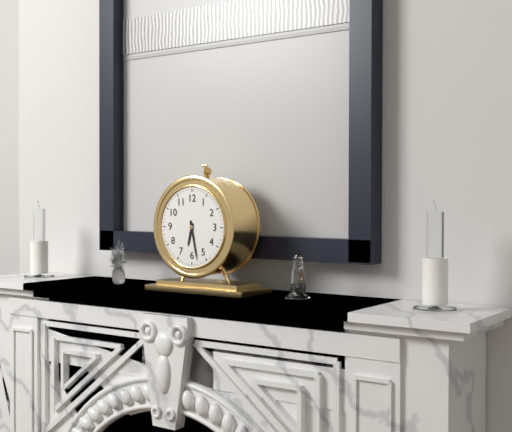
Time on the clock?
6:28
